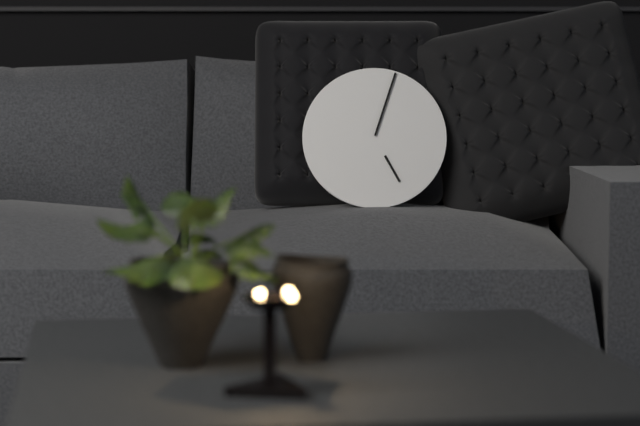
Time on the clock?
5:03
